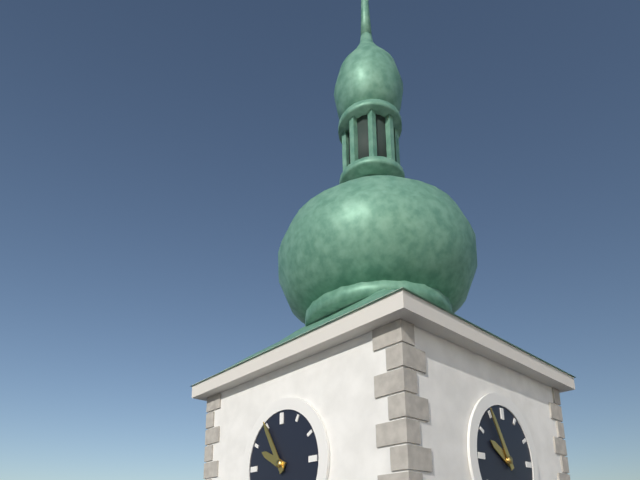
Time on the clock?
9:55
